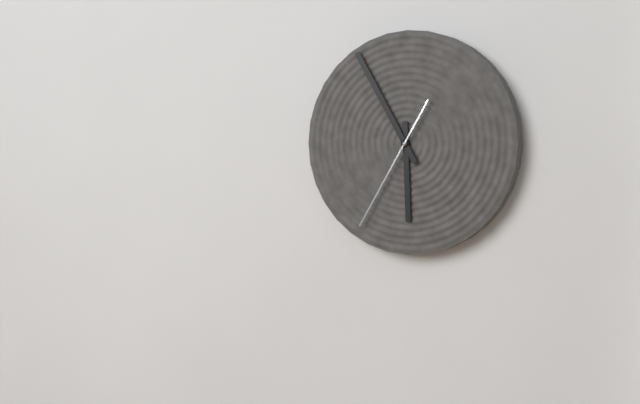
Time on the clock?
5:55:35
